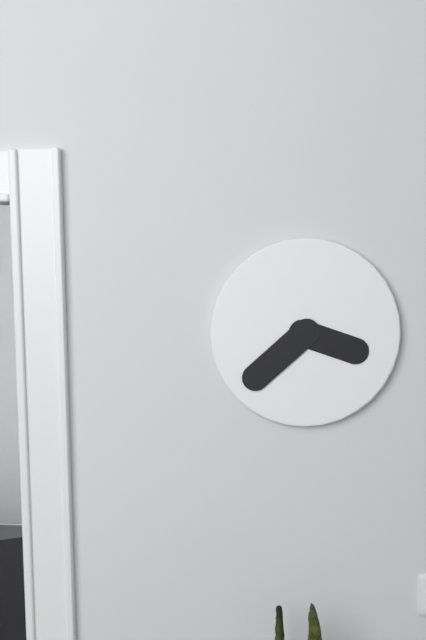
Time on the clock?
3:38
